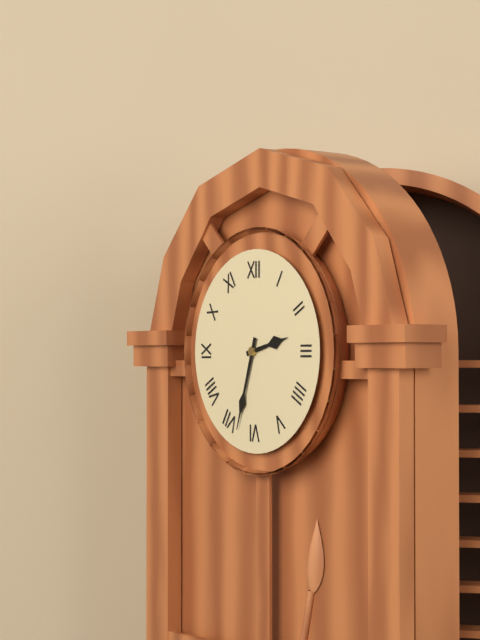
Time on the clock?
2:33
